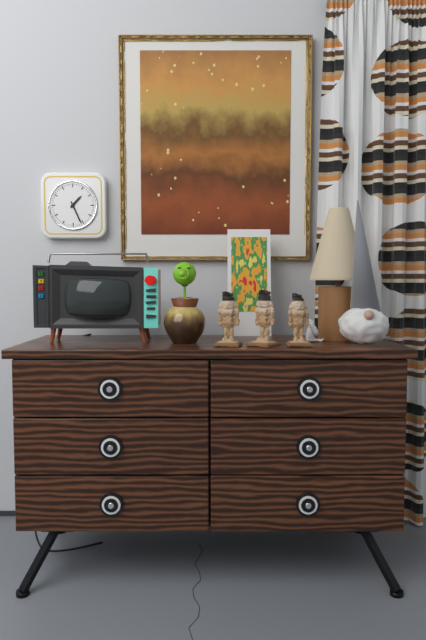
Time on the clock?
1:26
